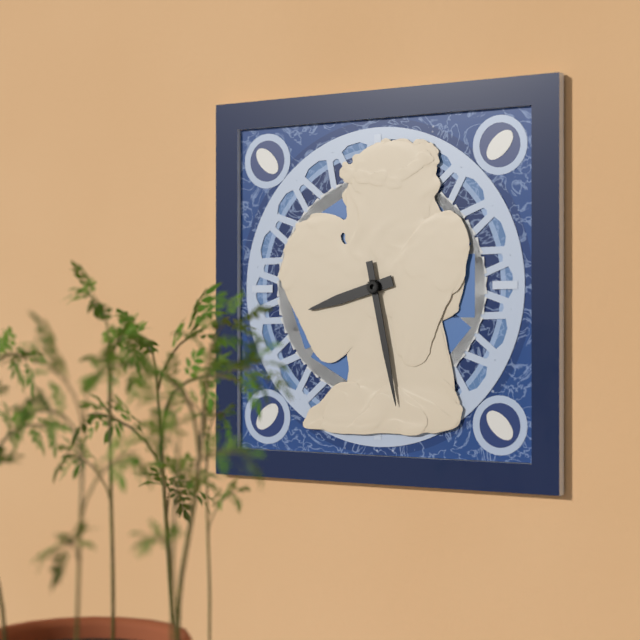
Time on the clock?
8:28
